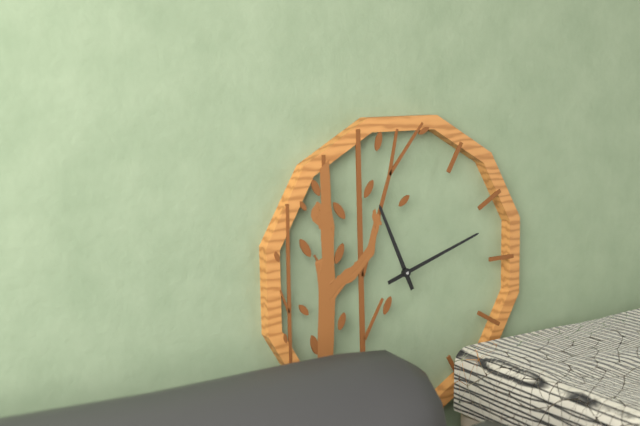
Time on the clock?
11:12
